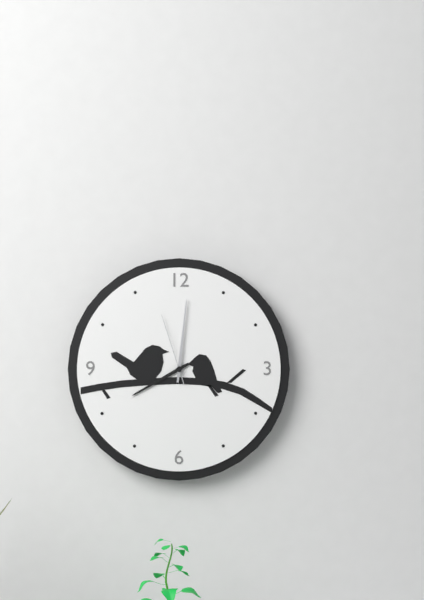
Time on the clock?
8:01:57
